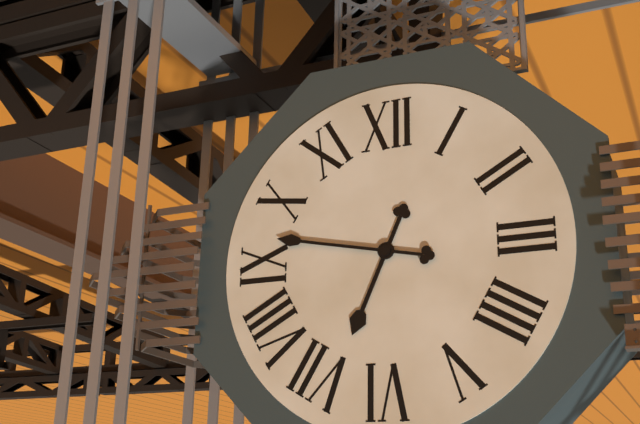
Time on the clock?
6:47
